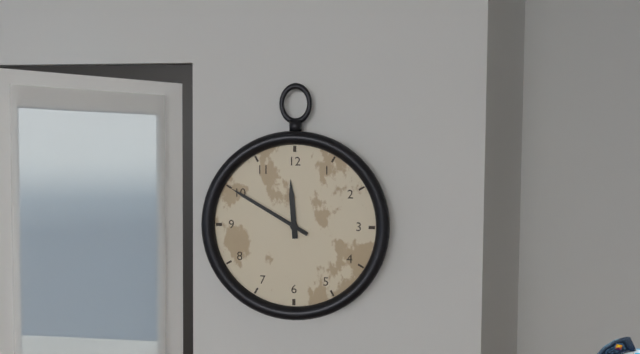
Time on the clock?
11:50
